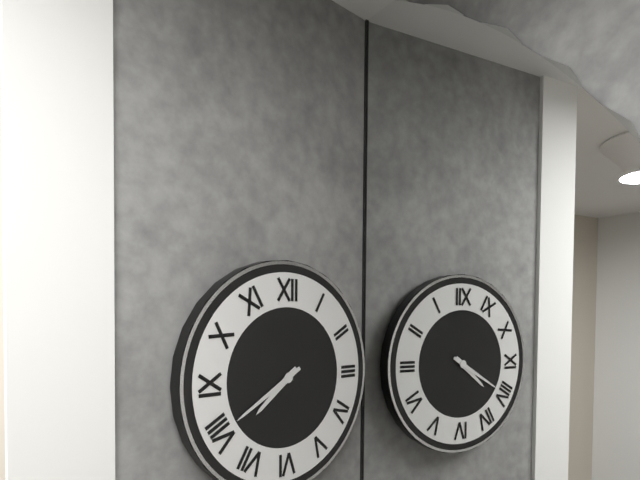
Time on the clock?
7:40
